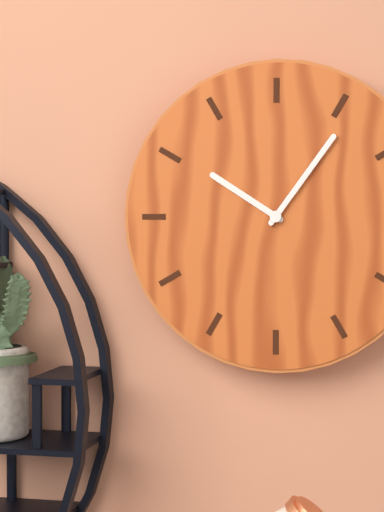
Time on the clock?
10:06
